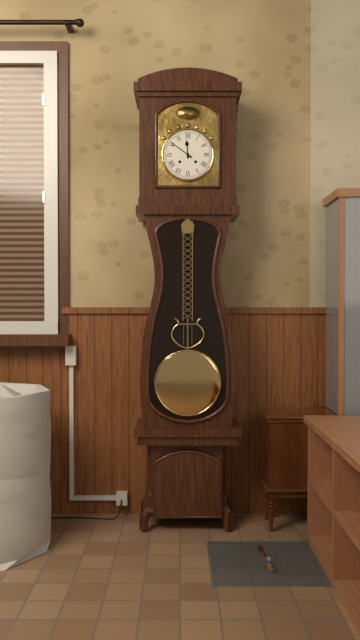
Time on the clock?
11:51
